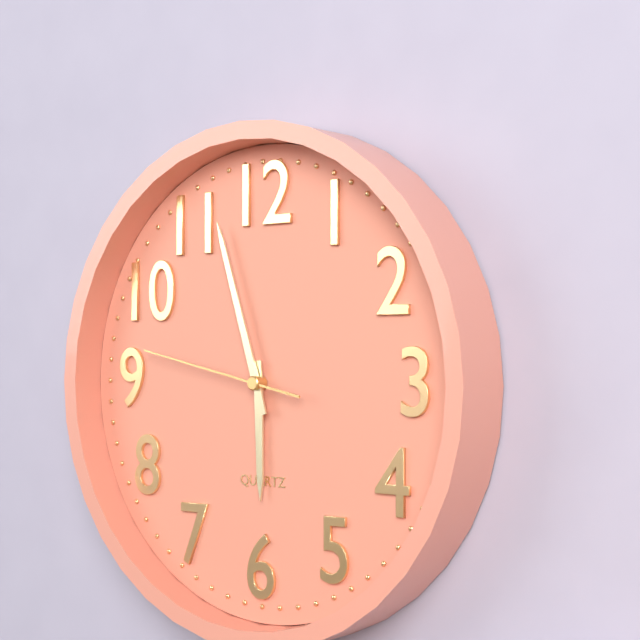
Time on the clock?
5:57:47
